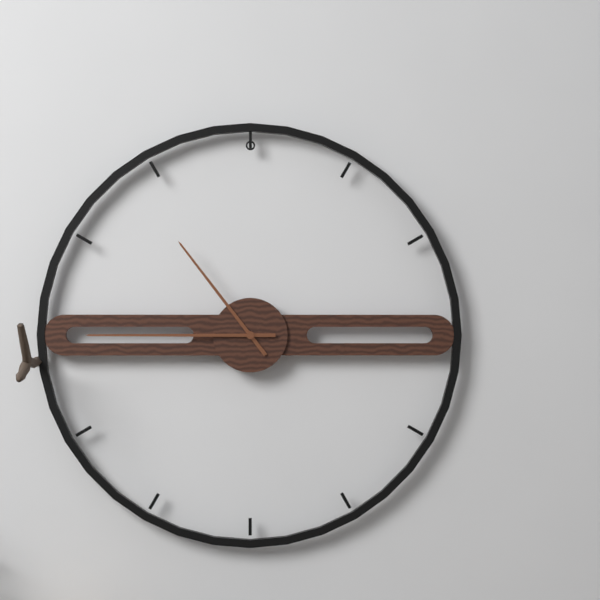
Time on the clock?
10:45
